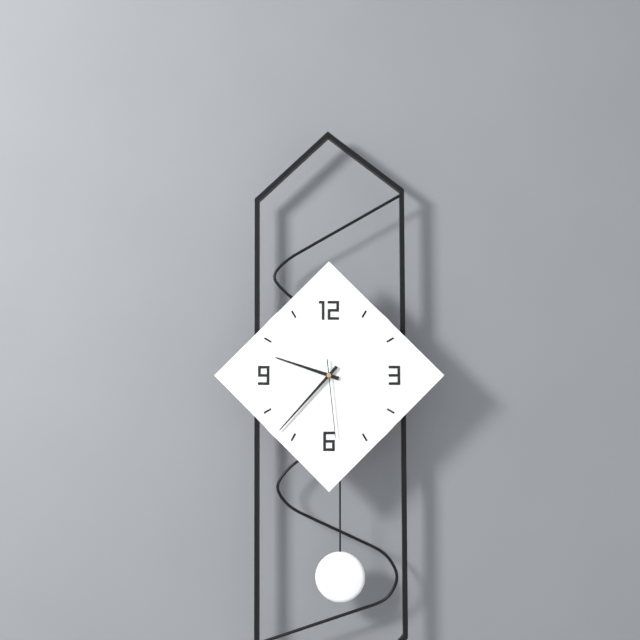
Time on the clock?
9:37:29
